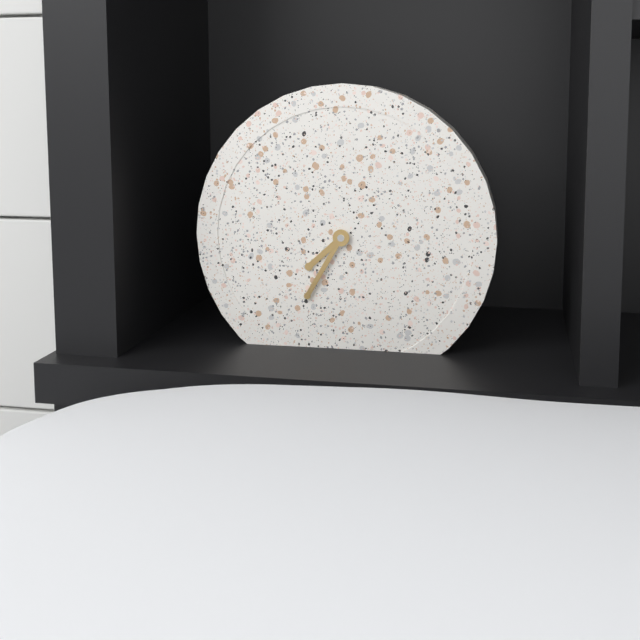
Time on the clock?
7:35
